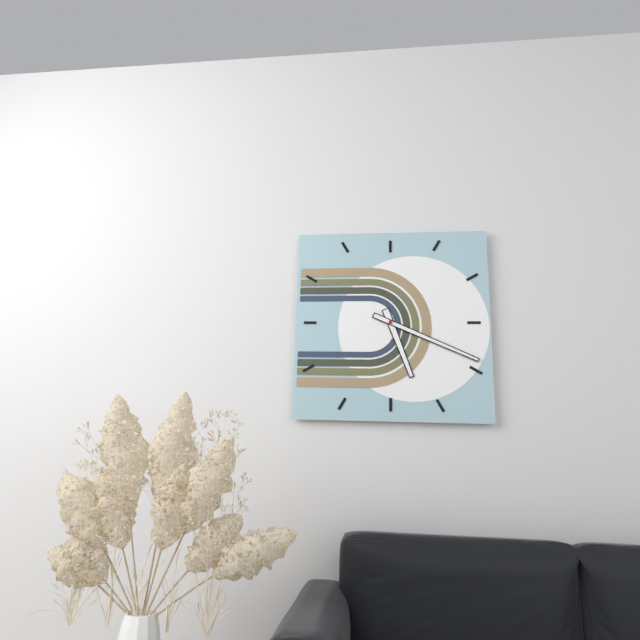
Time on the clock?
5:19
